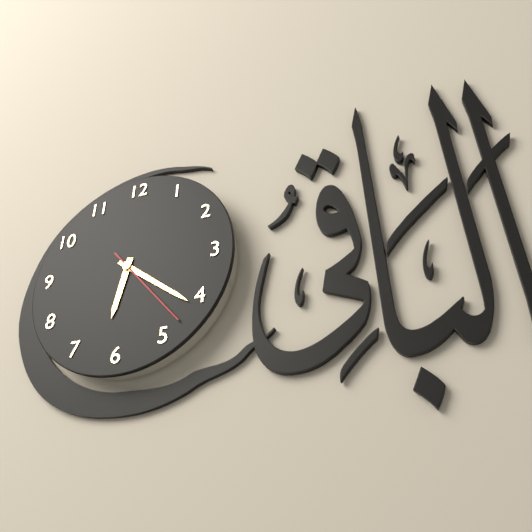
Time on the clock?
6:21:23
